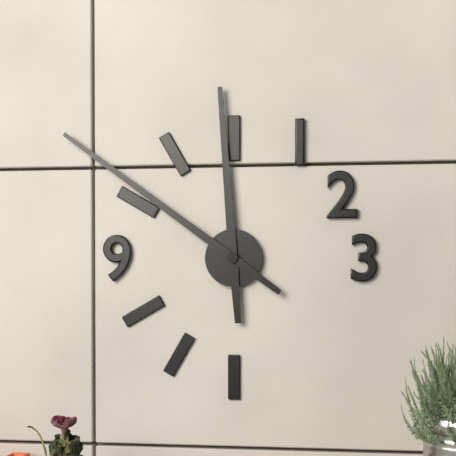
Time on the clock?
11:51
